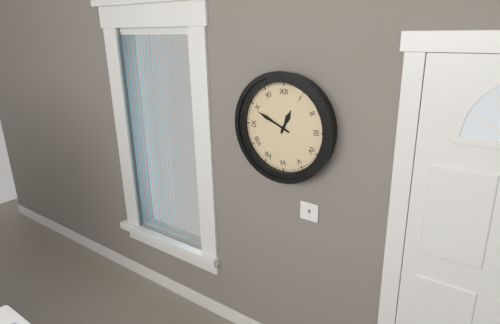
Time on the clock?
12:49
